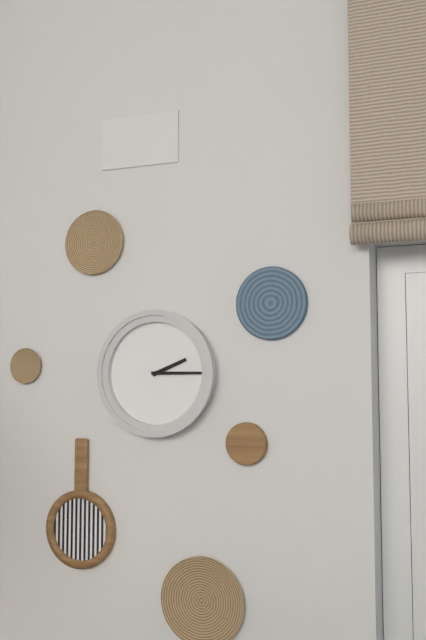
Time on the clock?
2:15
